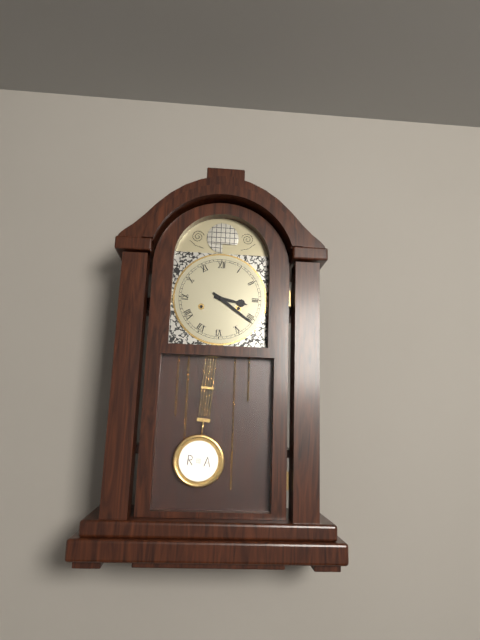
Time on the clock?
3:21
